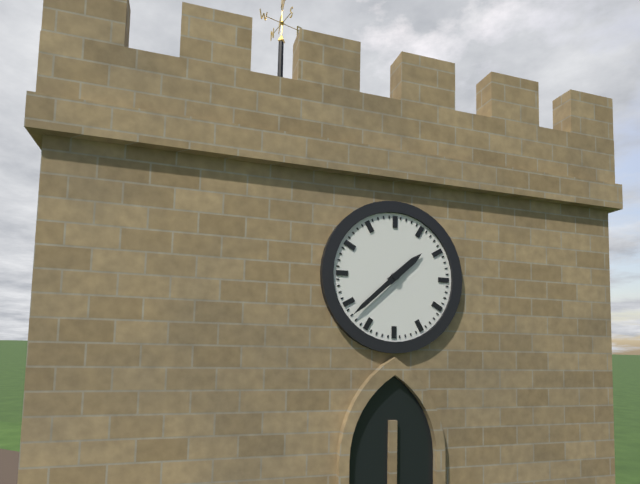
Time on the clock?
1:38
